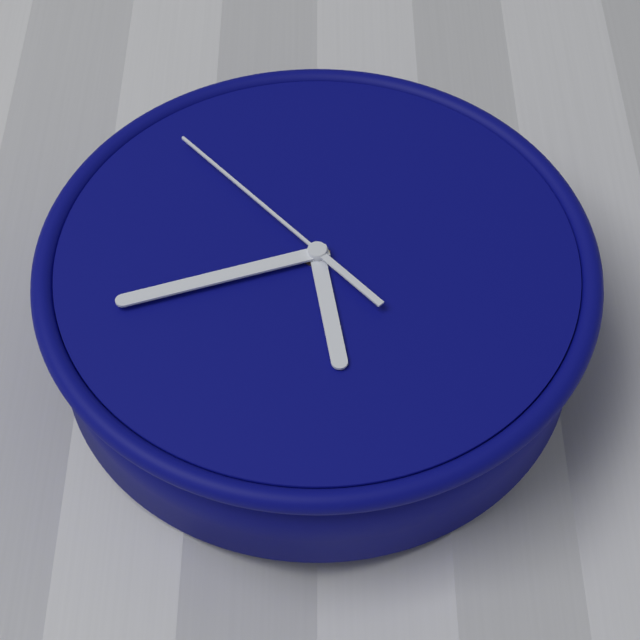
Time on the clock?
5:42:53
